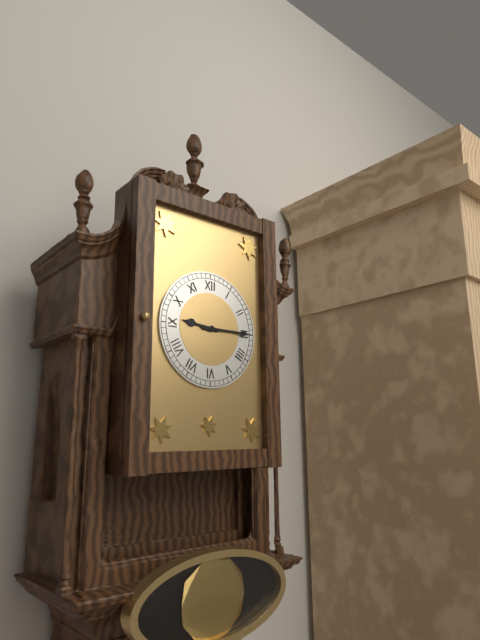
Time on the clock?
9:15
